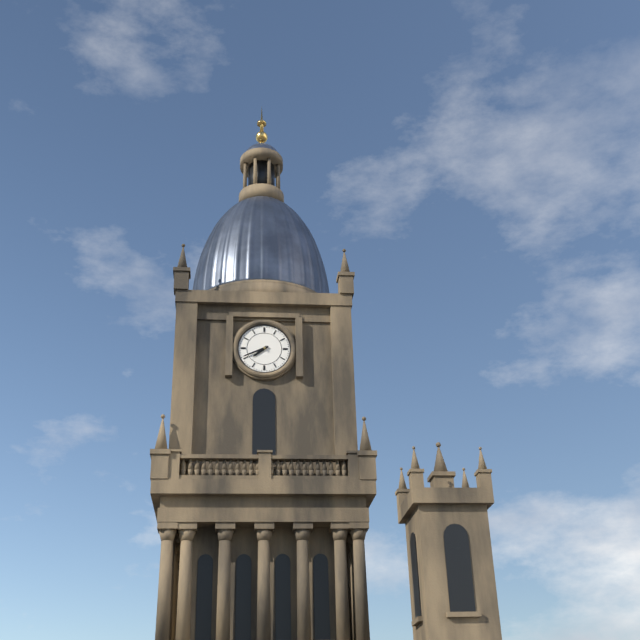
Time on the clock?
7:41
